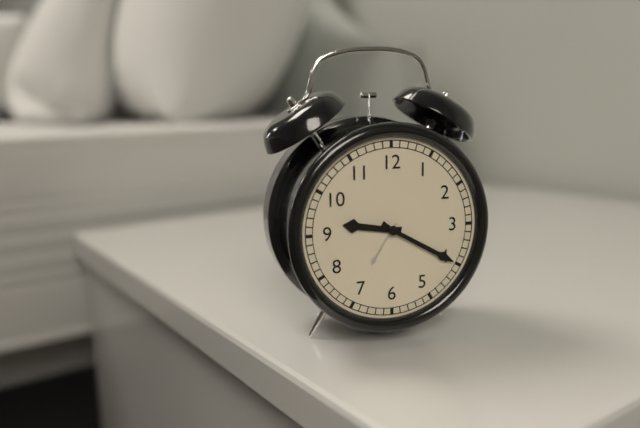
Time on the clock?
9:20
